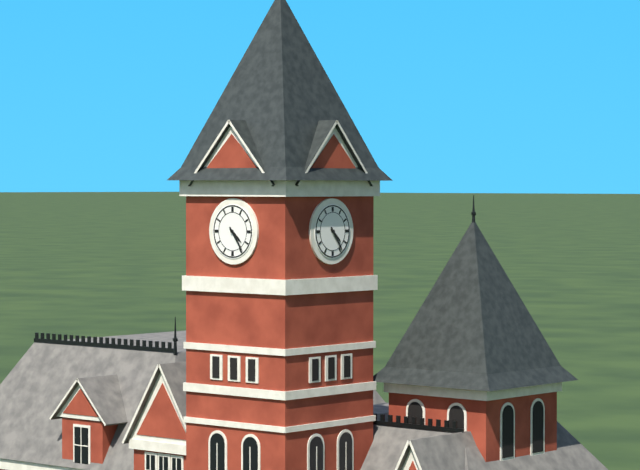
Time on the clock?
4:24
